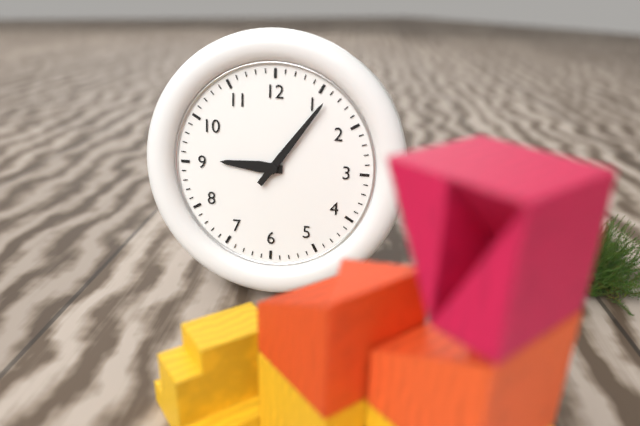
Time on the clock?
9:06
